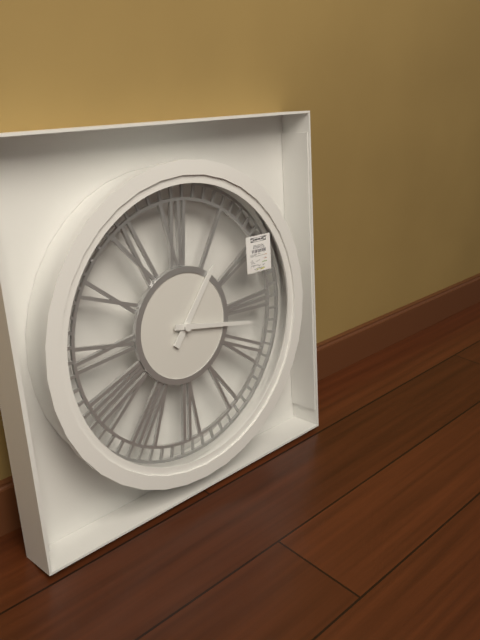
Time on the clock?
1:17
